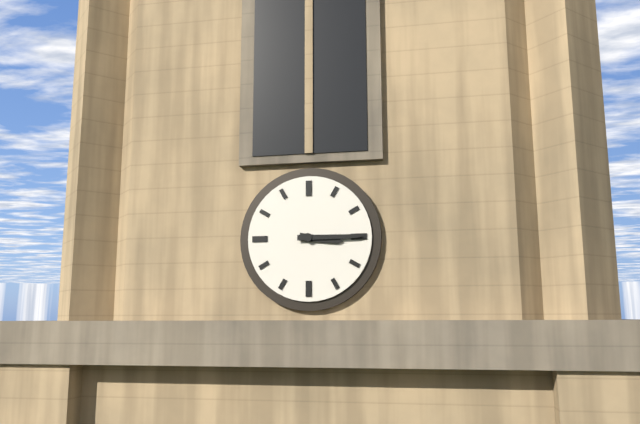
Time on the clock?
3:15
